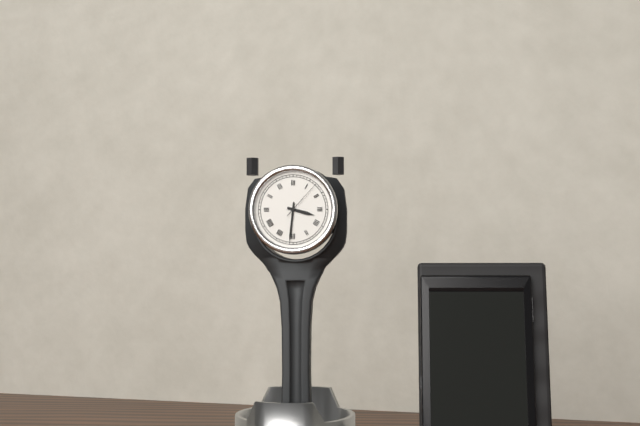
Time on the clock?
3:31
